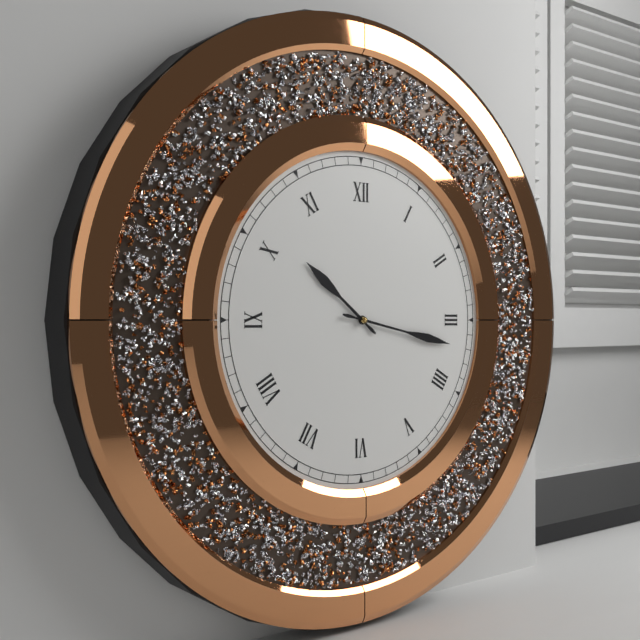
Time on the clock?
10:17
